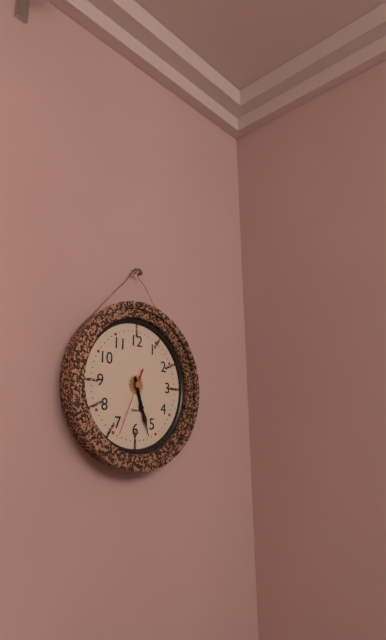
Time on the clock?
5:27:34
